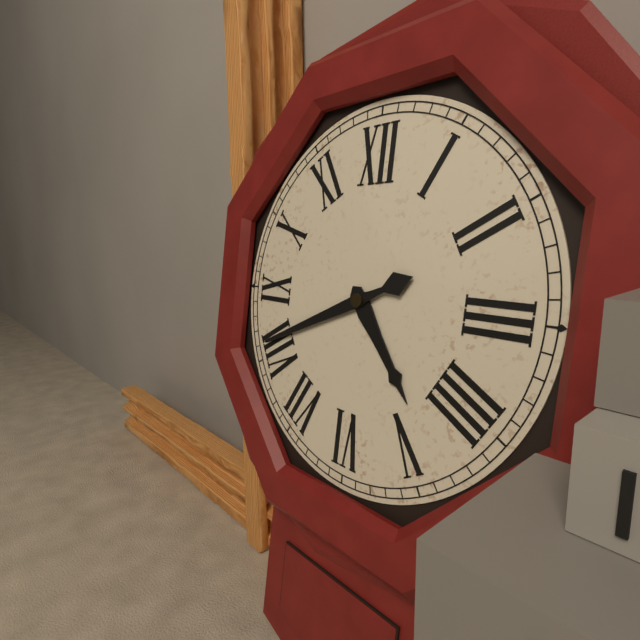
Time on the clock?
4:41
